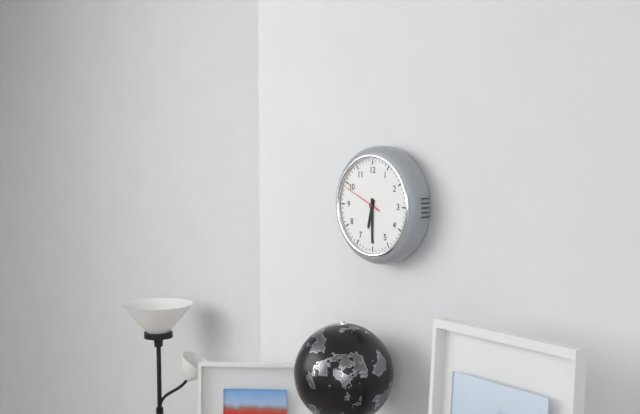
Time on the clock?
6:30:49
